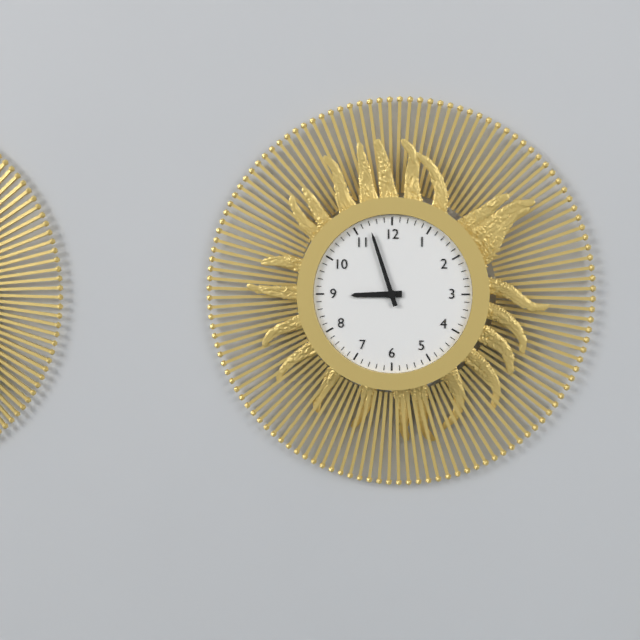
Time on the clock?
8:57
